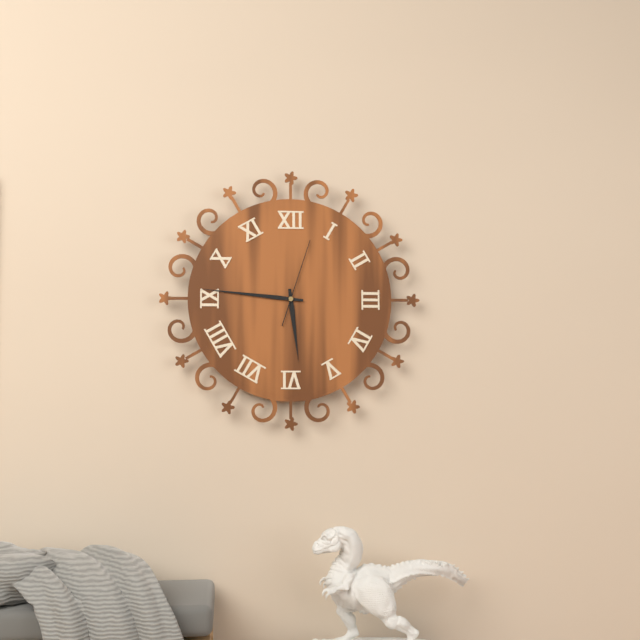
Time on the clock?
5:46:03
